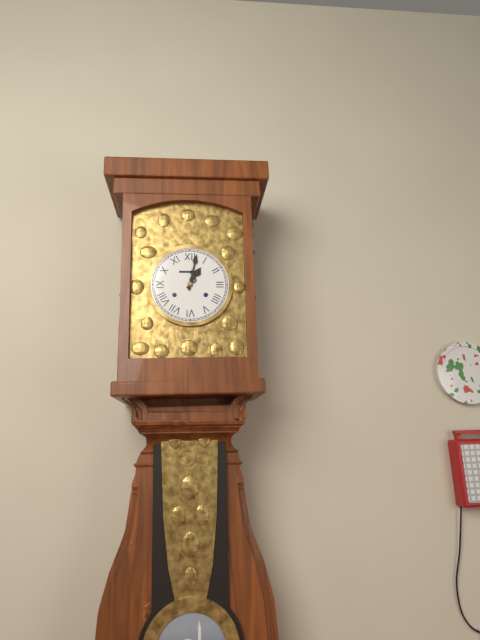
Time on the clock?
1:02
